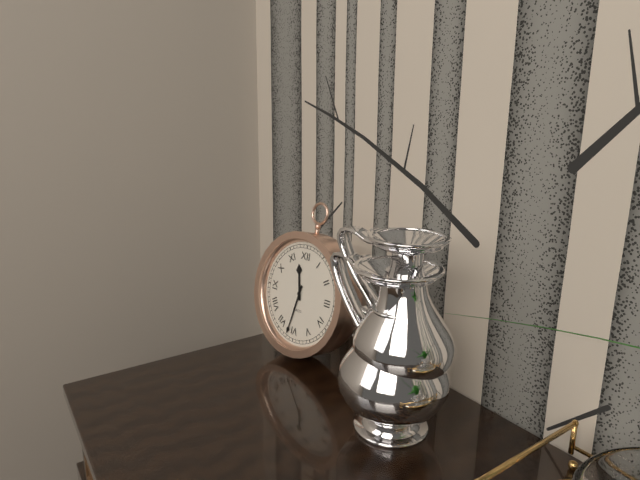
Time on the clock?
11:32
